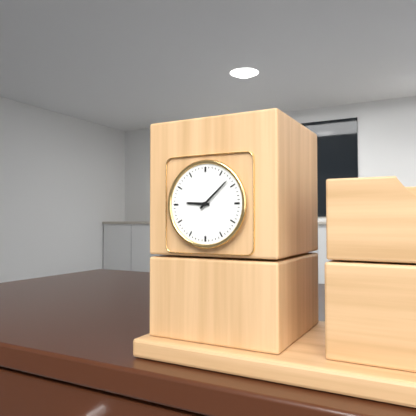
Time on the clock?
9:08
